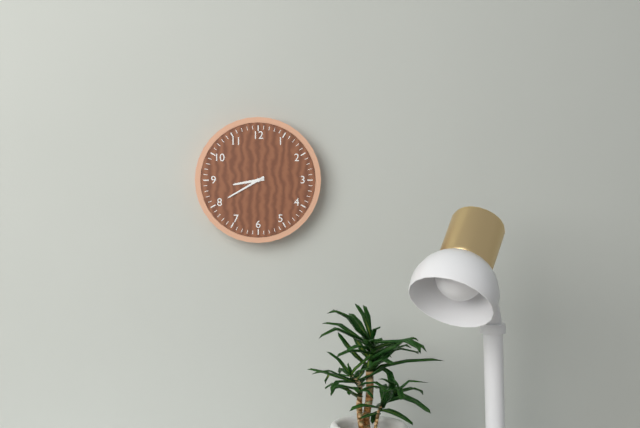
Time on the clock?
8:40
